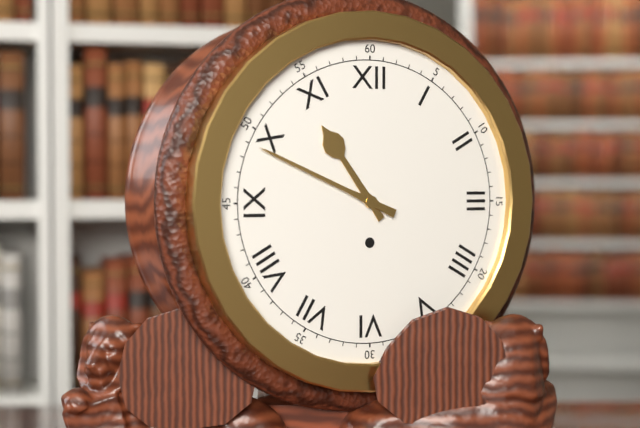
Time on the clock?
10:49
